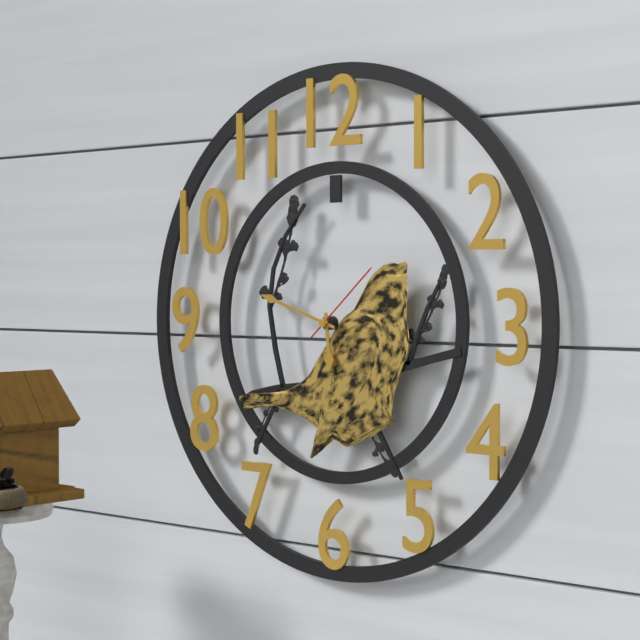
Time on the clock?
5:48:08
